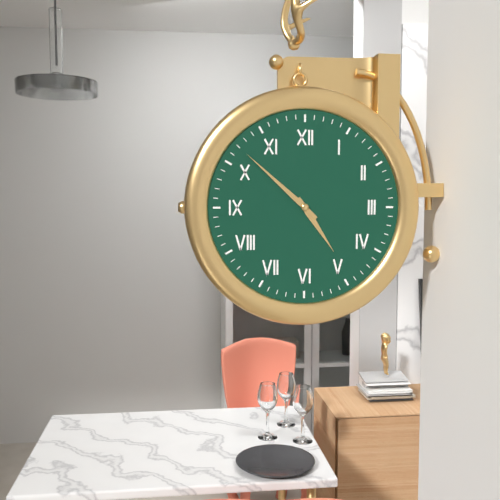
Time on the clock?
4:52
